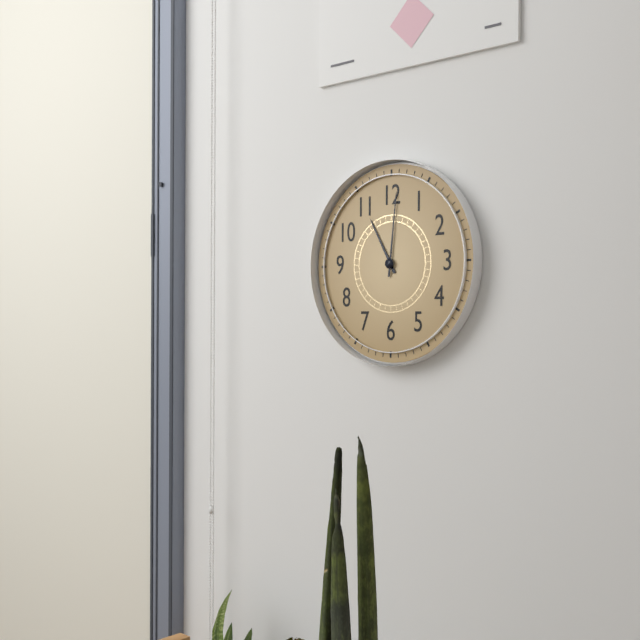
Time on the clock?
11:01
